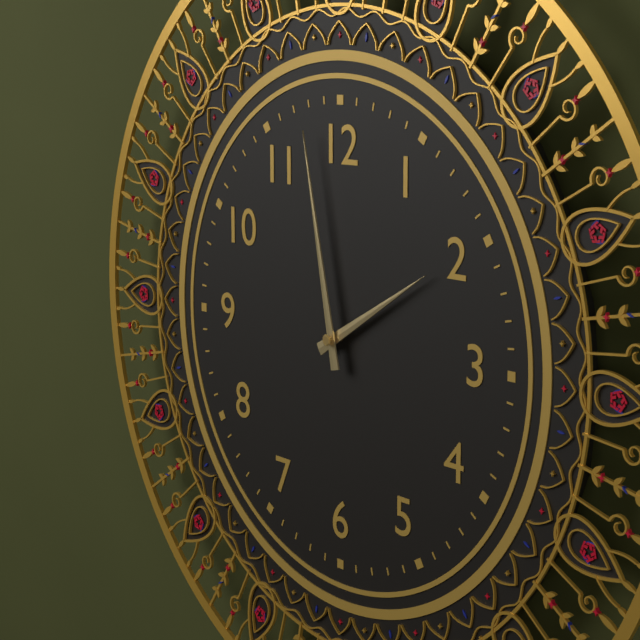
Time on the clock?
1:58
